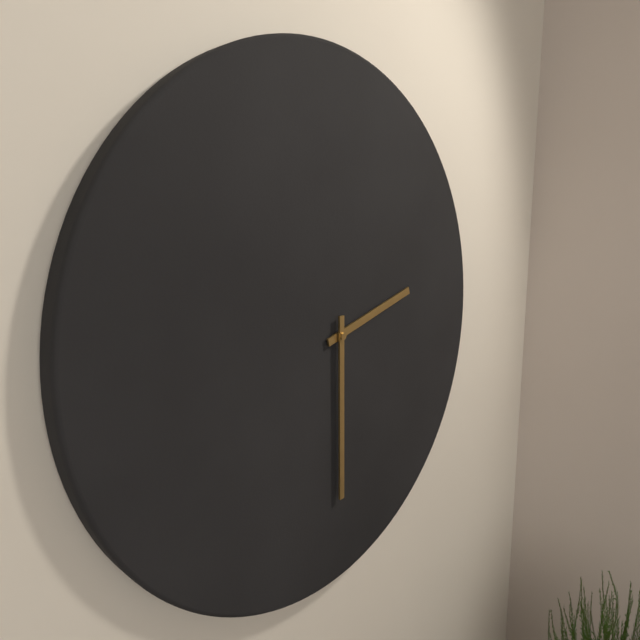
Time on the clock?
2:30
